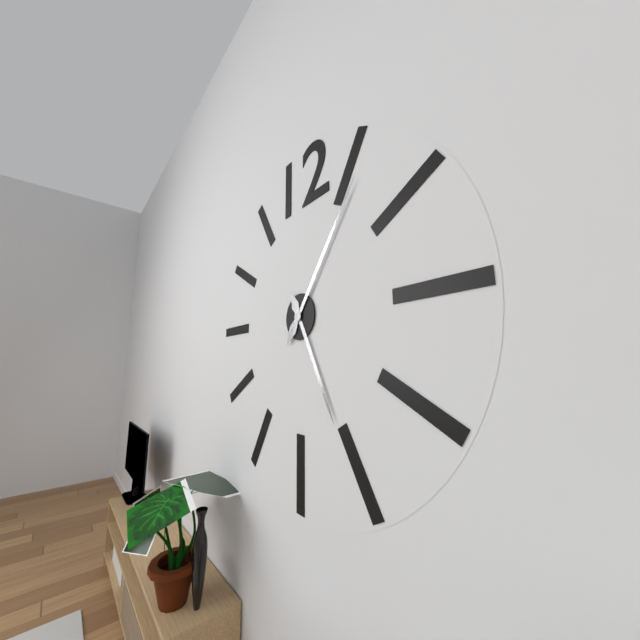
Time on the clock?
5:06
